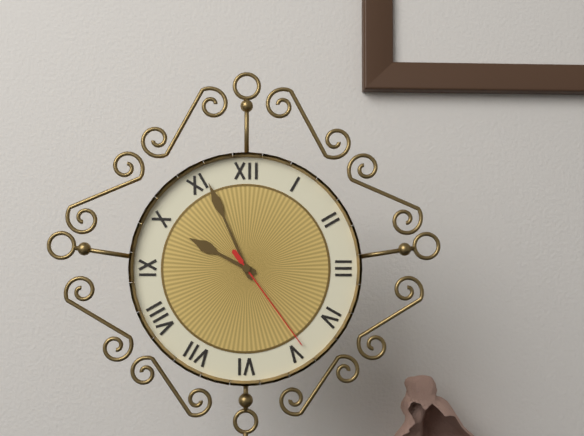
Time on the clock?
9:56:24
